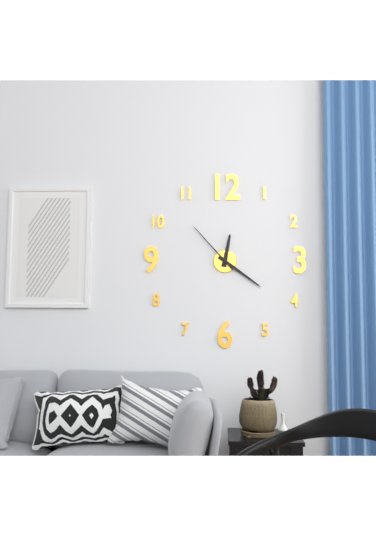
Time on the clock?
12:21:53
